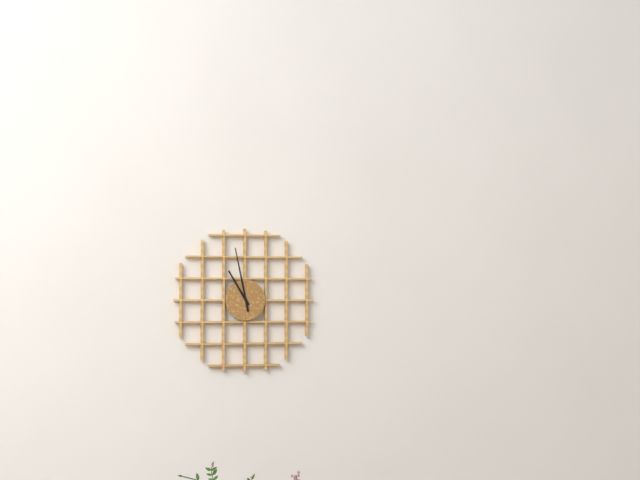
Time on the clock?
10:58
